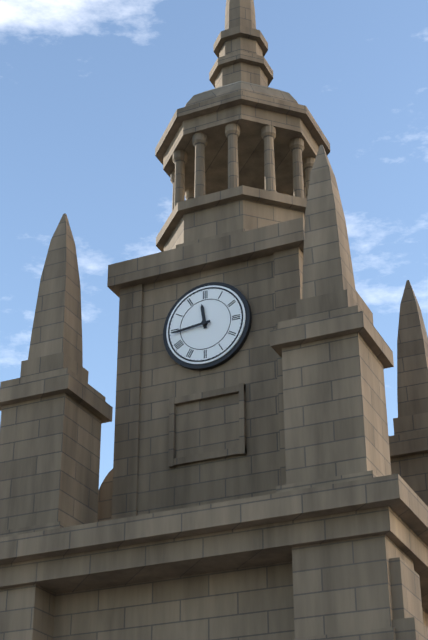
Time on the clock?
11:44
